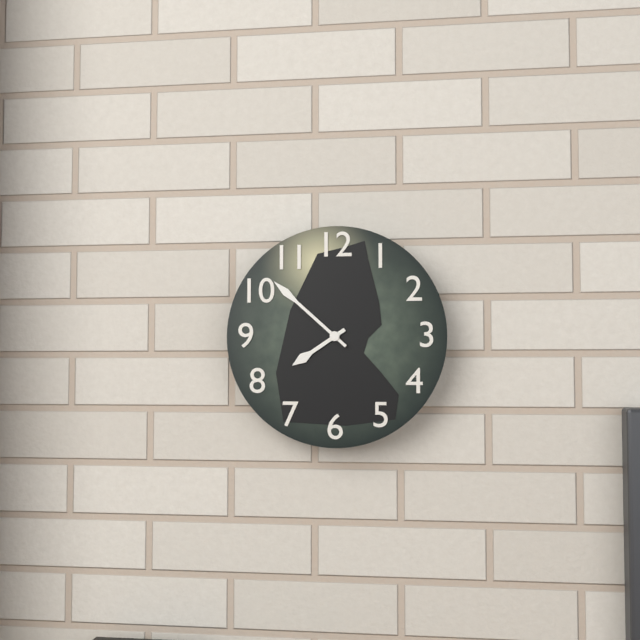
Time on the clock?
7:52
